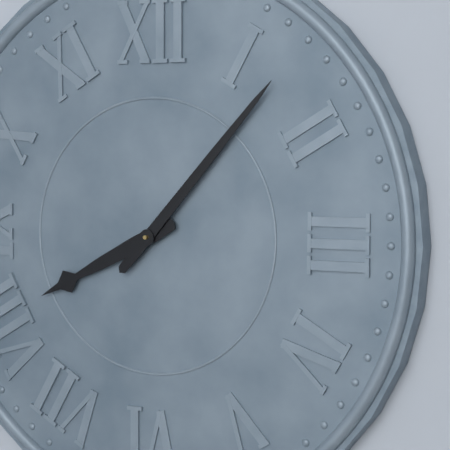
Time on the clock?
8:07
